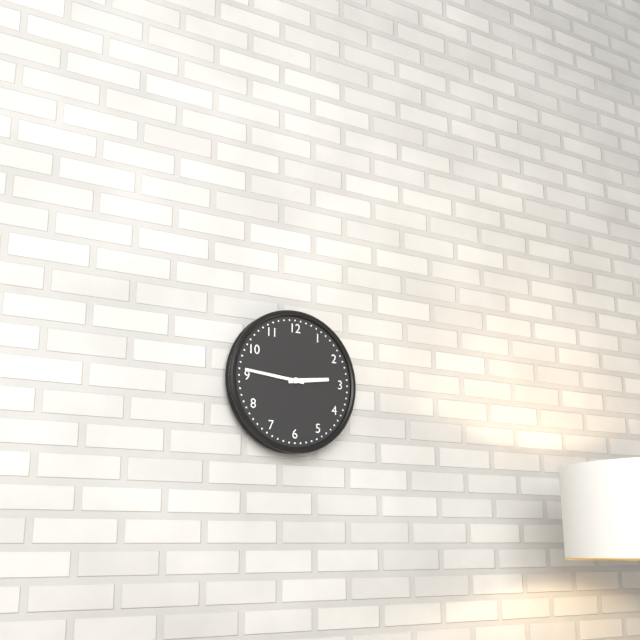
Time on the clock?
2:46
